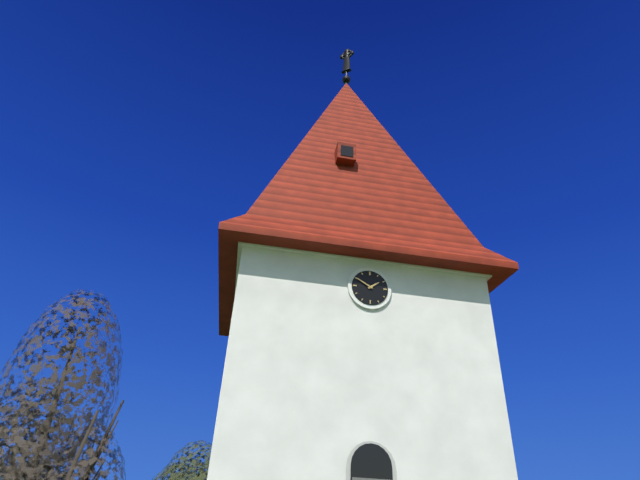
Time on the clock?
1:50
